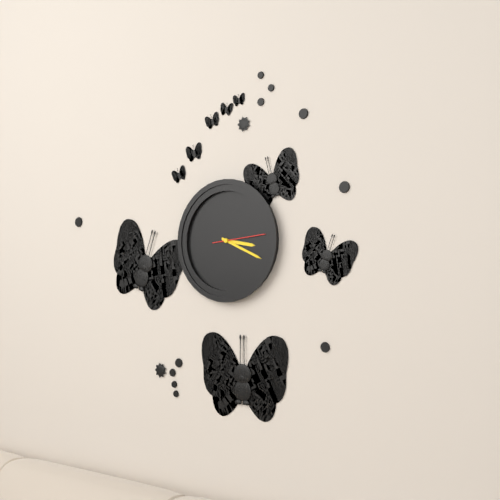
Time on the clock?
3:19:14
